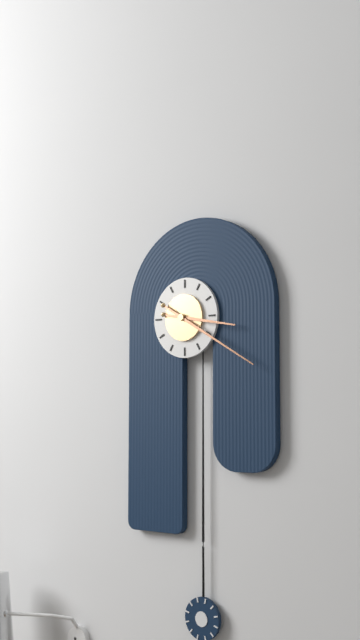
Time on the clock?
3:20
